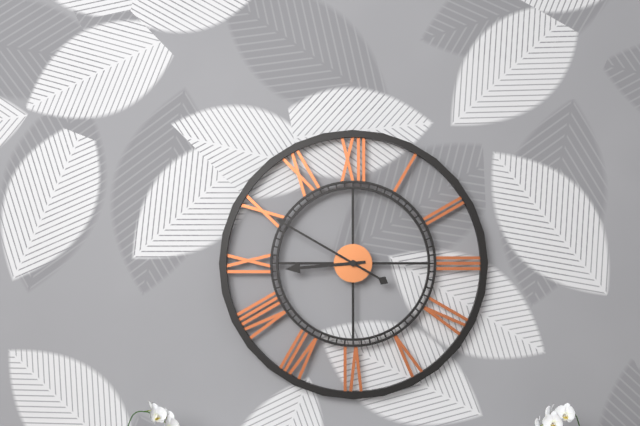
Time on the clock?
8:50
